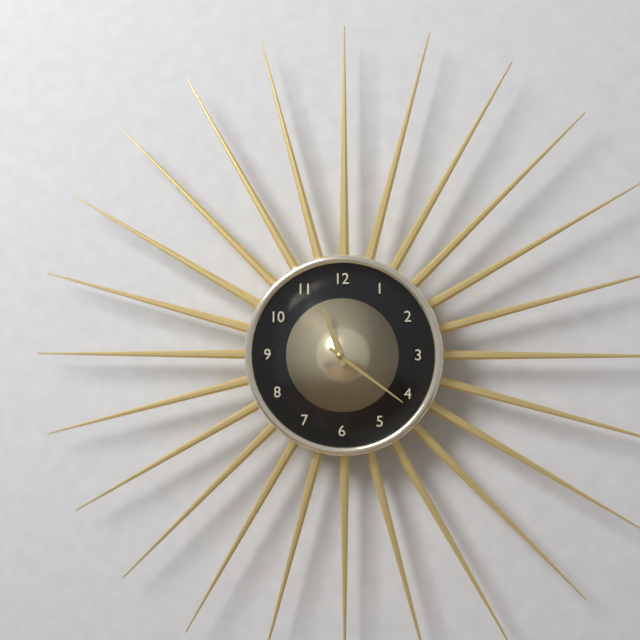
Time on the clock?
11:21
